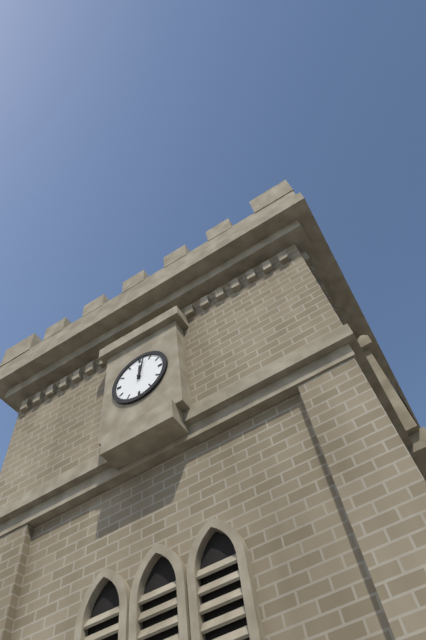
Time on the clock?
12:02
